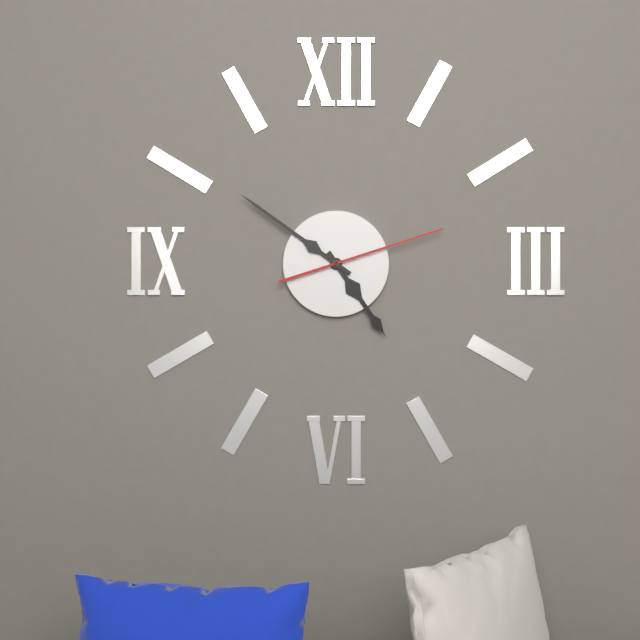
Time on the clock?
4:51:12
